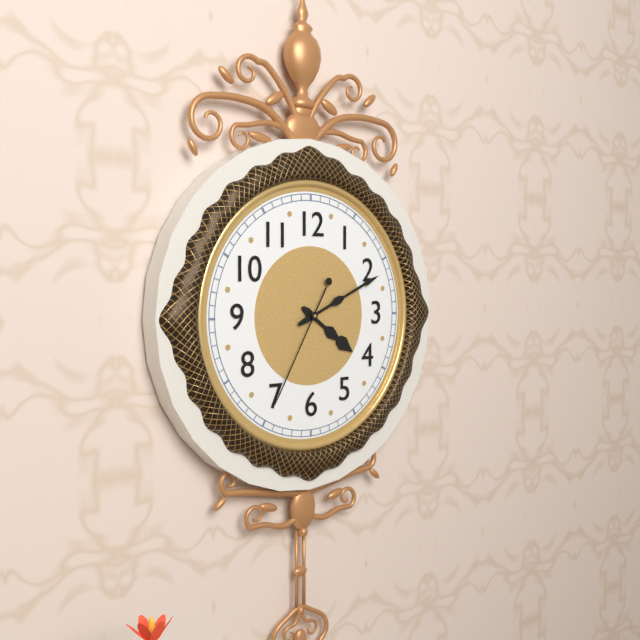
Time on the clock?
4:11:35
